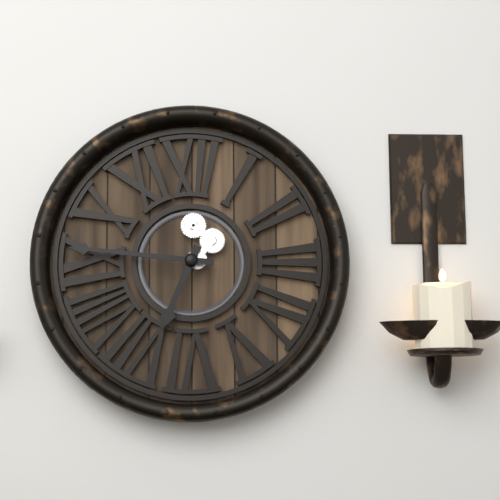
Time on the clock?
6:46
